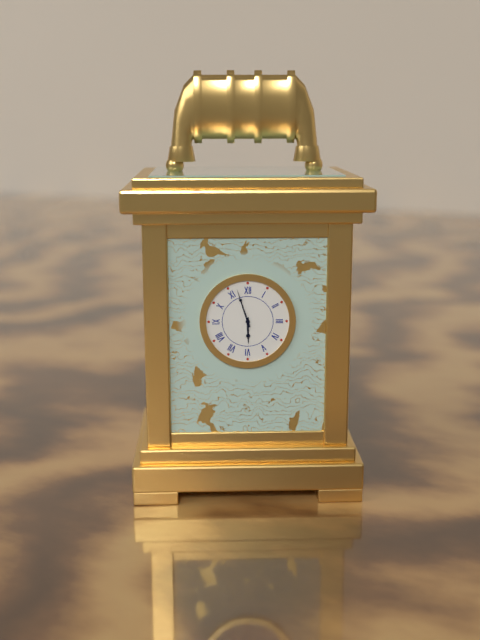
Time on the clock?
5:57
